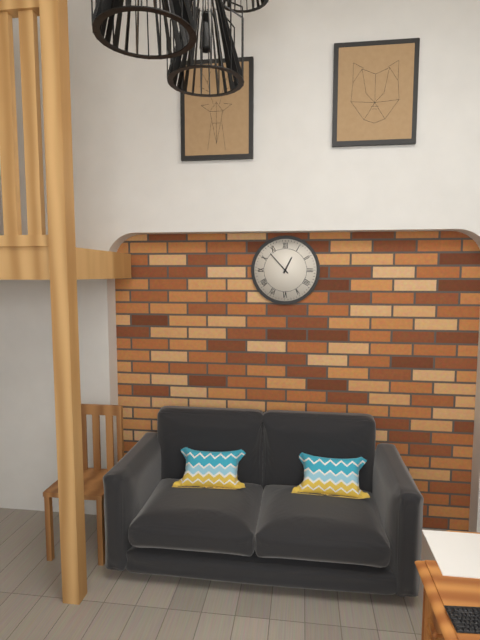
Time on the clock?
12:53
